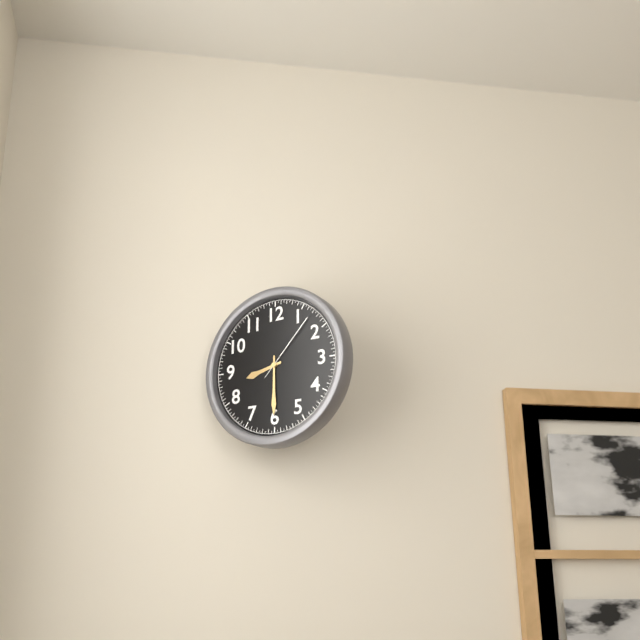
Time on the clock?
8:30:07
